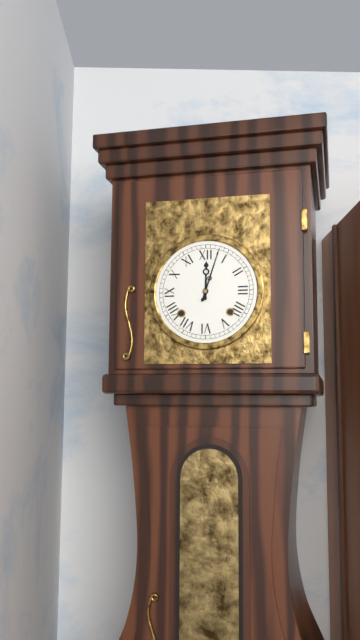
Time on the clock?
12:03
